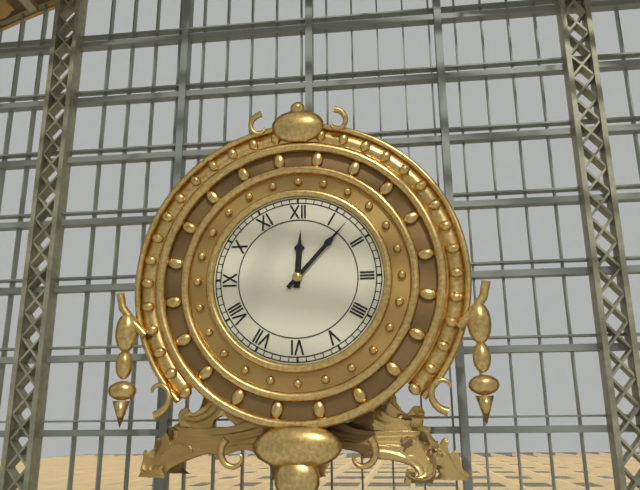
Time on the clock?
12:07
